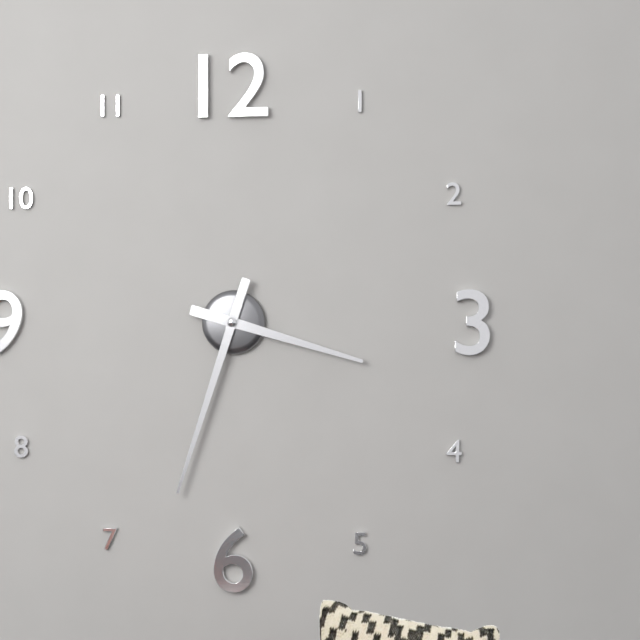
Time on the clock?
3:33
